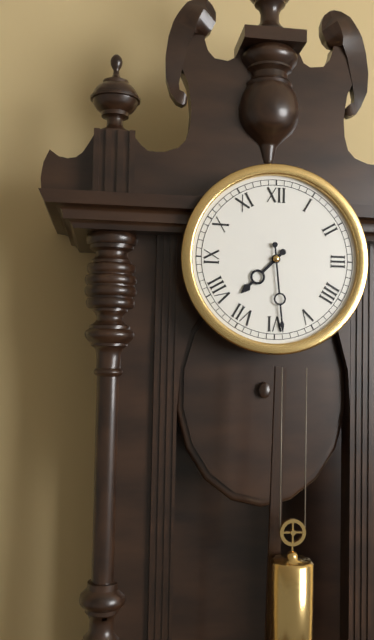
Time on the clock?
7:29
